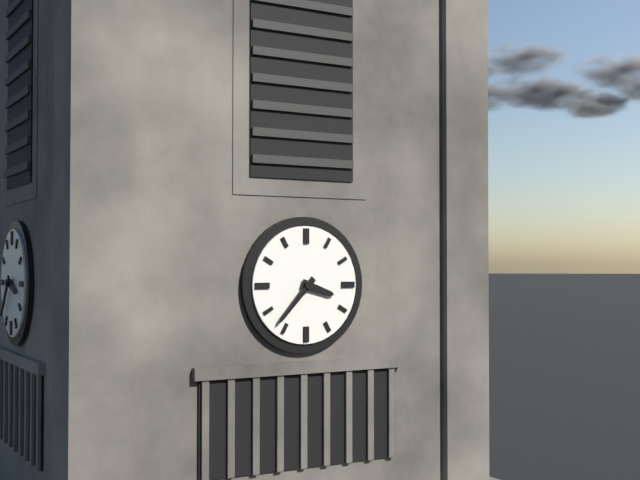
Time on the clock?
3:37
